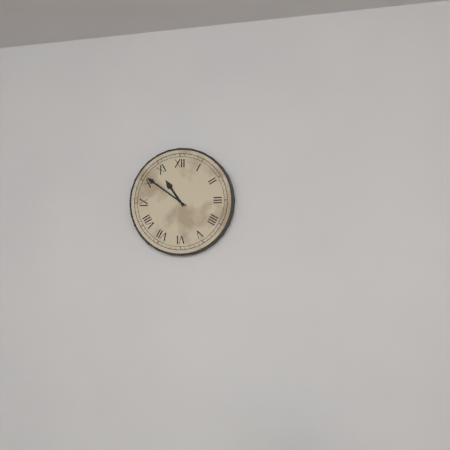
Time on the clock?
10:51
